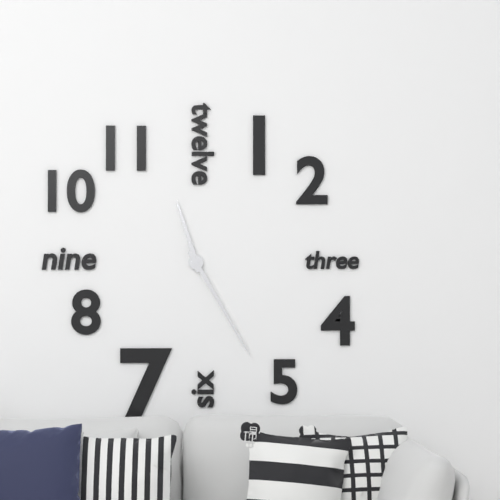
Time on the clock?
11:25
